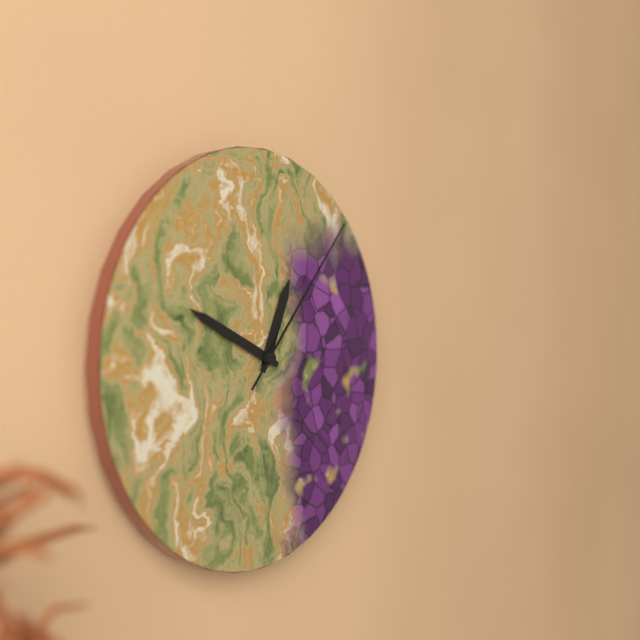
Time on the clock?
12:49:07
